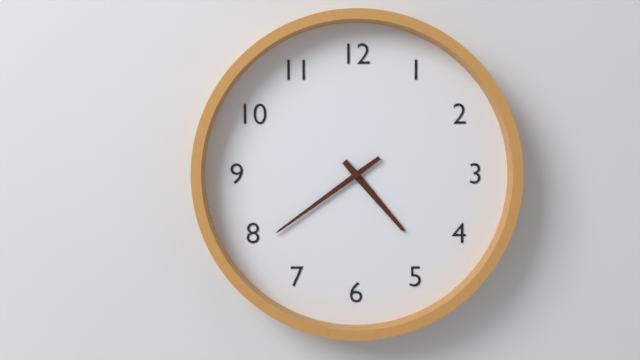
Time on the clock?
4:39
